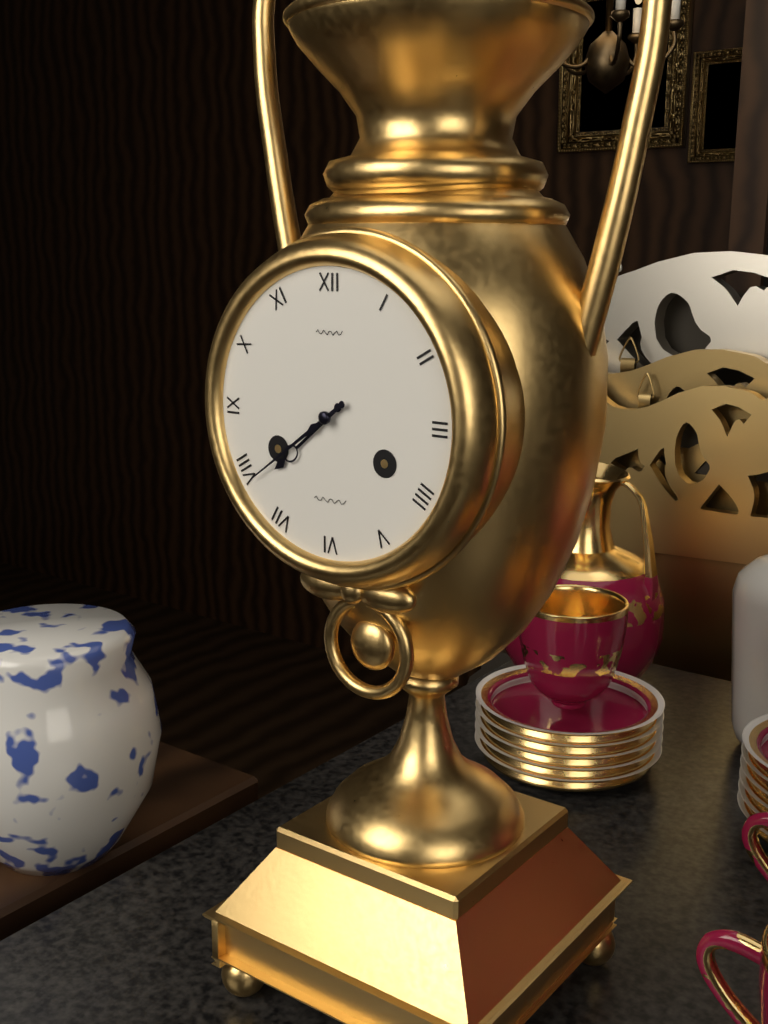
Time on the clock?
7:39
